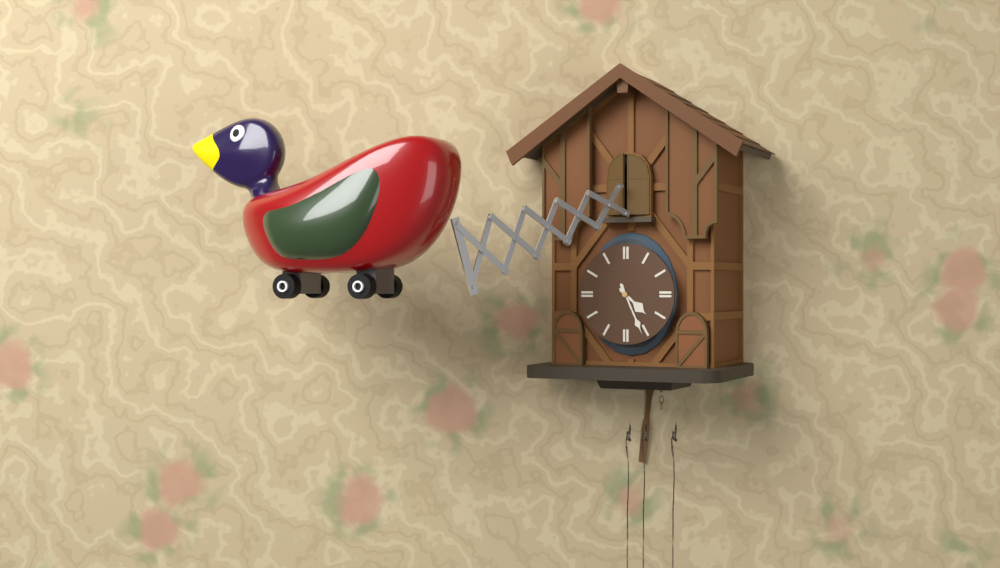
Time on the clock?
4:26
